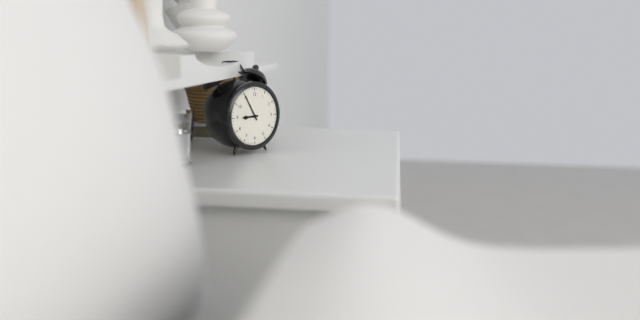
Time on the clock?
8:55
